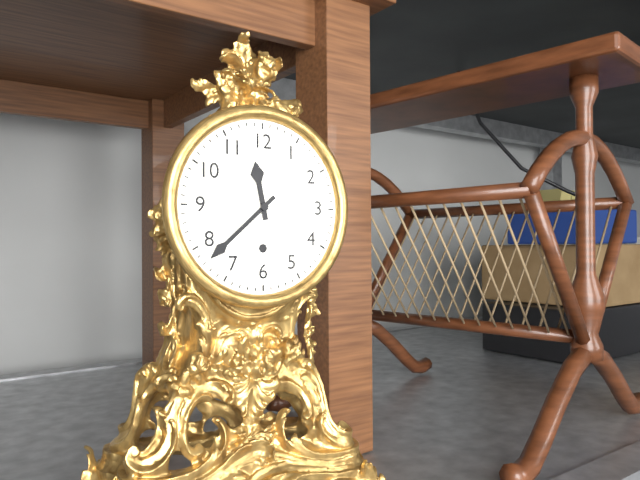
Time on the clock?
11:38
